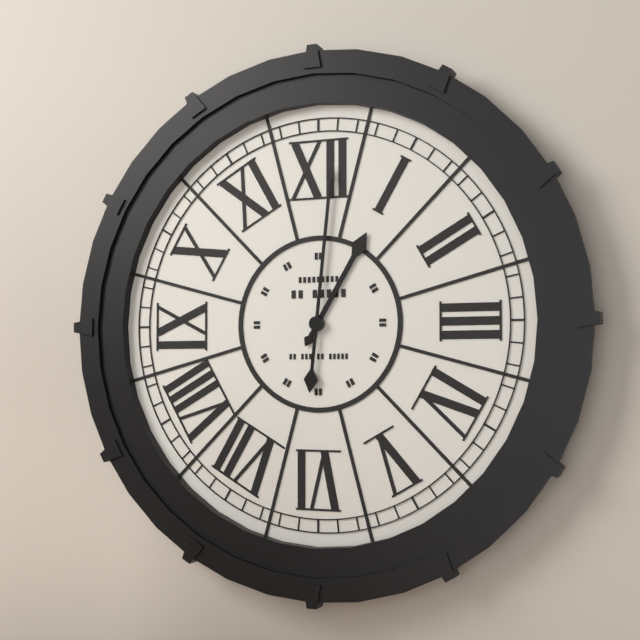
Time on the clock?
1:01
